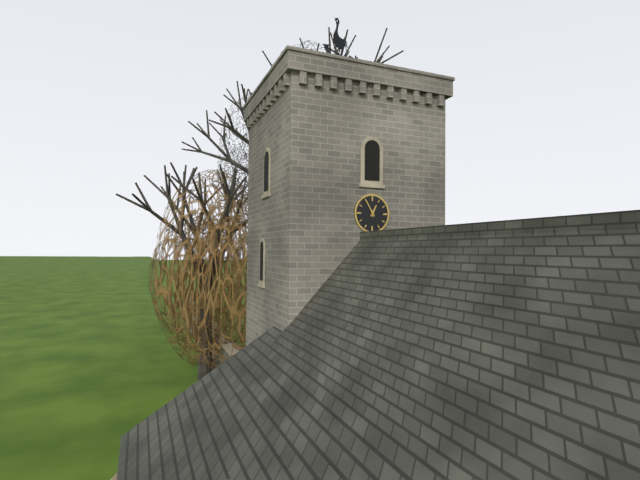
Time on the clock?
12:55
